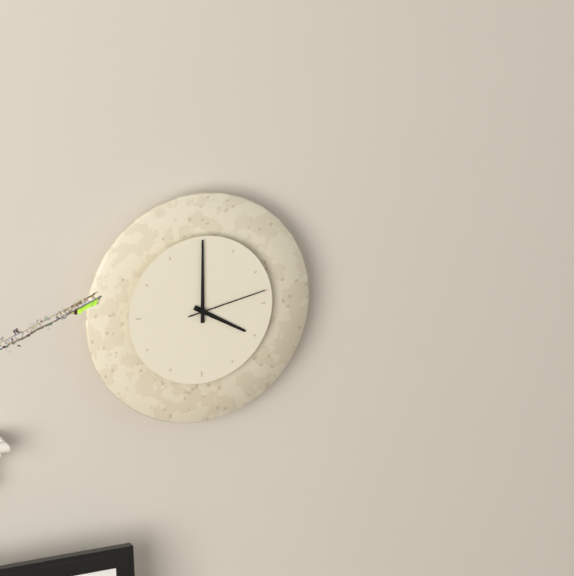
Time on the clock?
4:00:13
